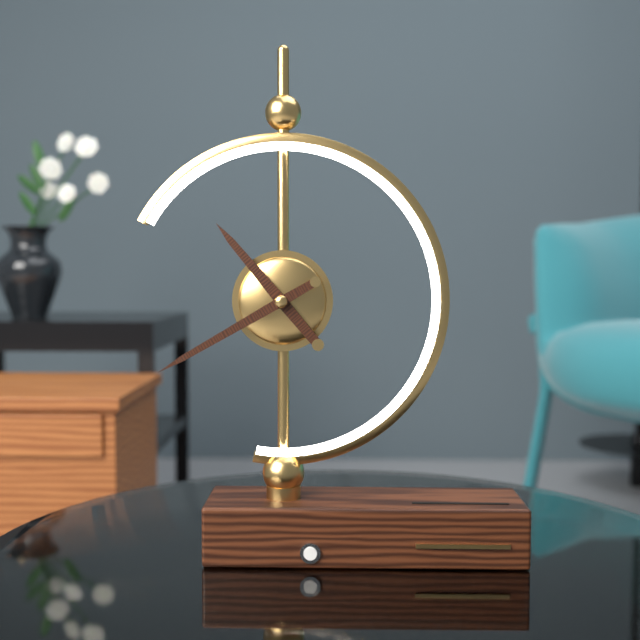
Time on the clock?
10:40
